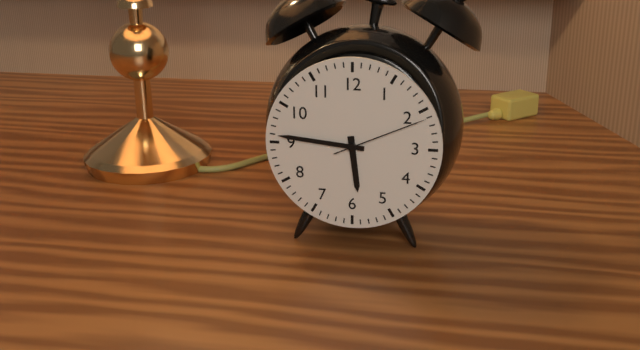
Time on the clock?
5:46:11
